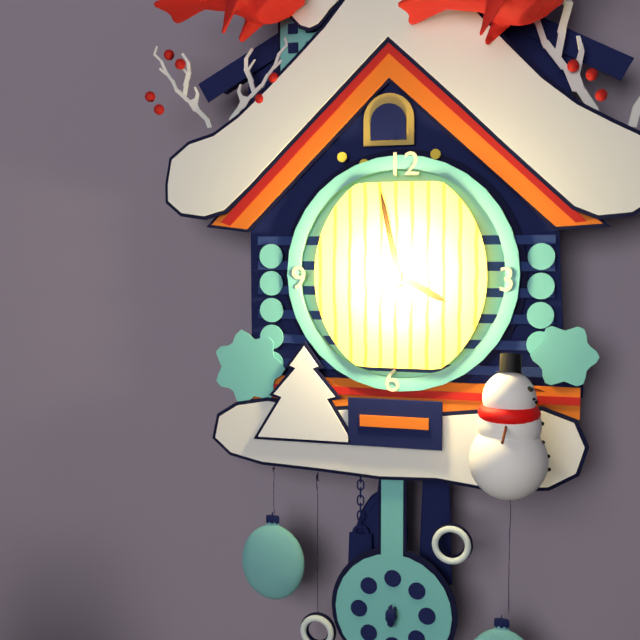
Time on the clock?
3:58
